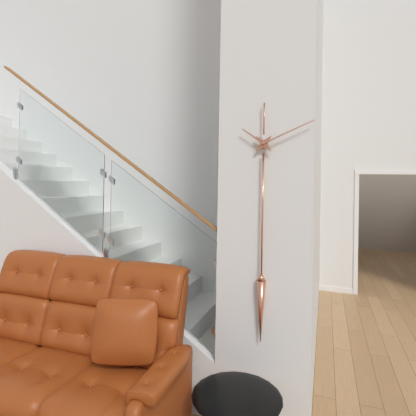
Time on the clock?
10:11
